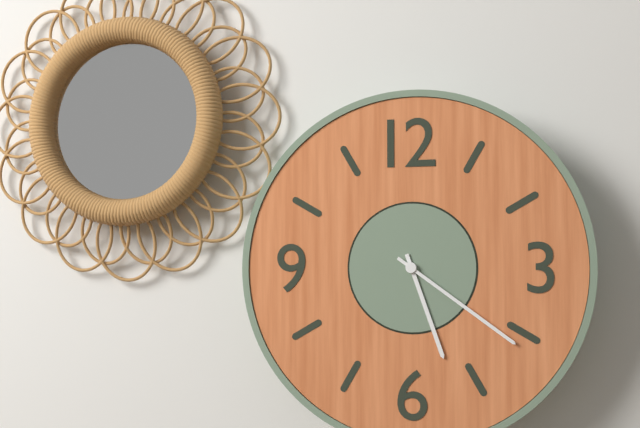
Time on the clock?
5:21
